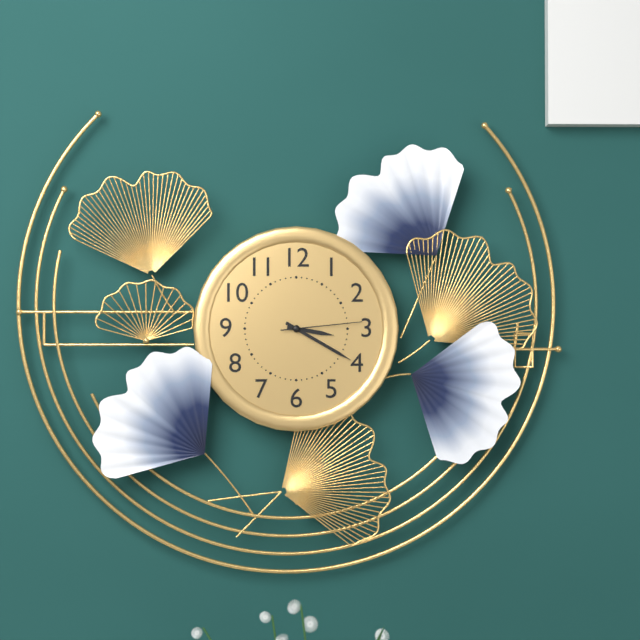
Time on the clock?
3:20:14
